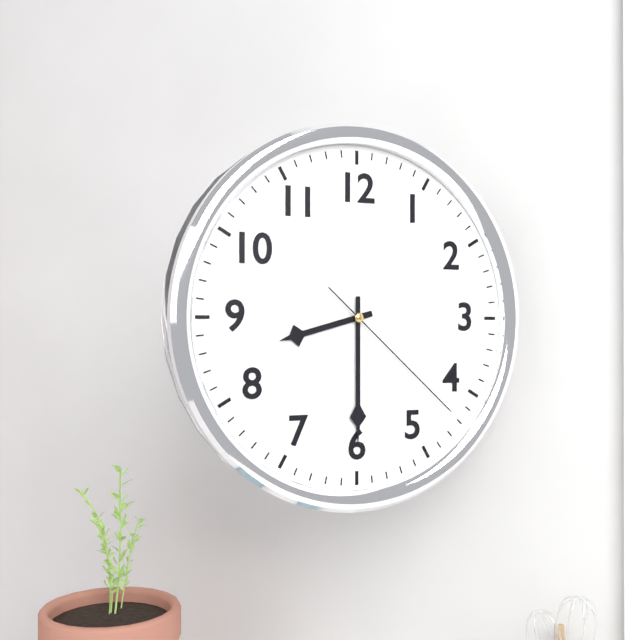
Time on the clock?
8:30:22
